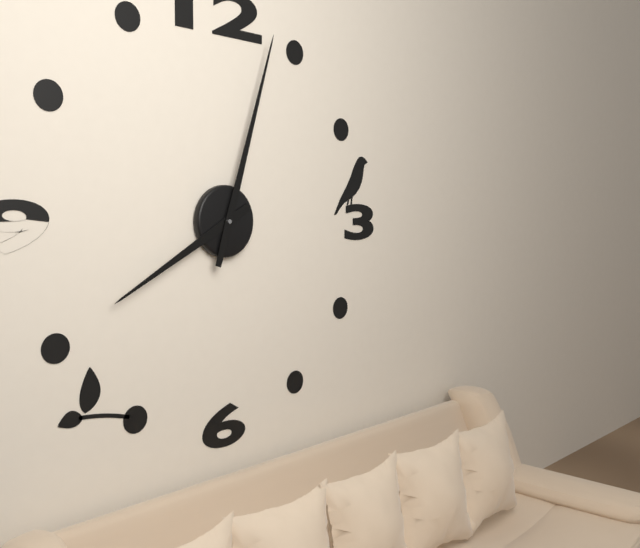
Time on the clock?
8:03
